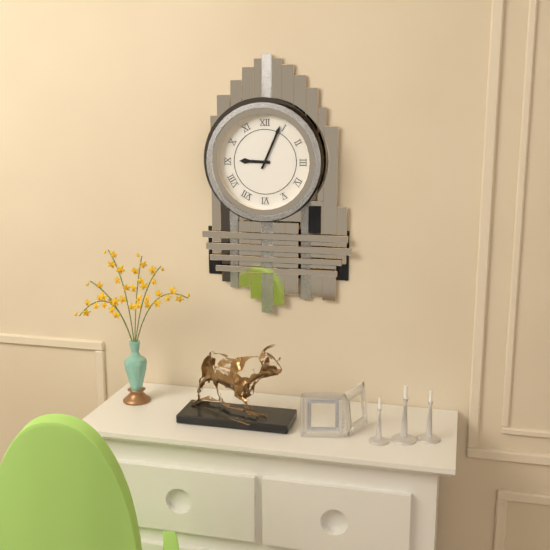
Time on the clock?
9:04
